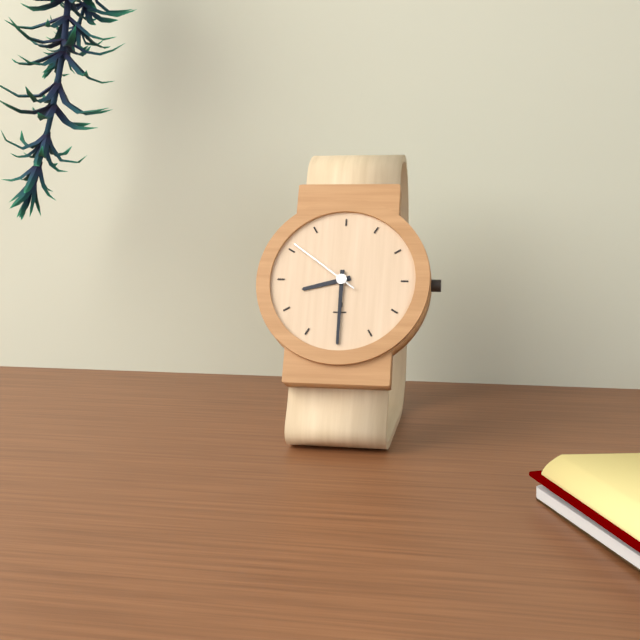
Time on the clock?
8:30:51
